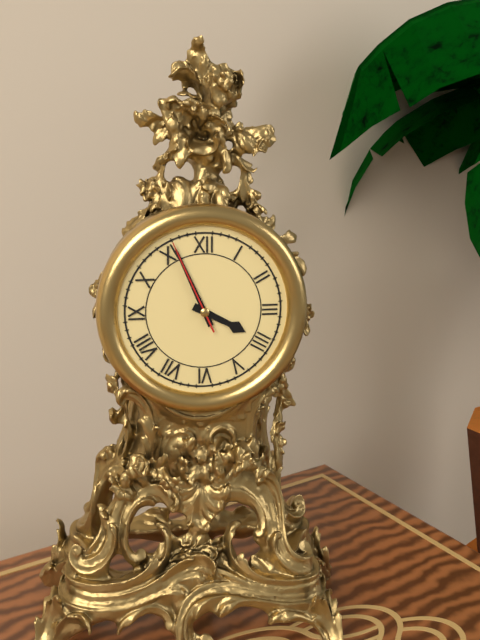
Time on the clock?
3:56:56
